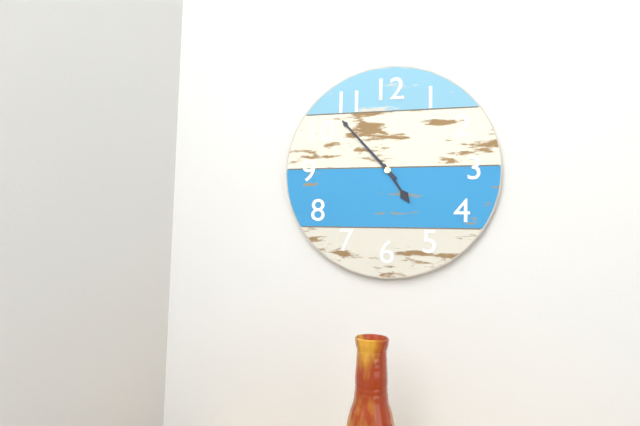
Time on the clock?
4:53
